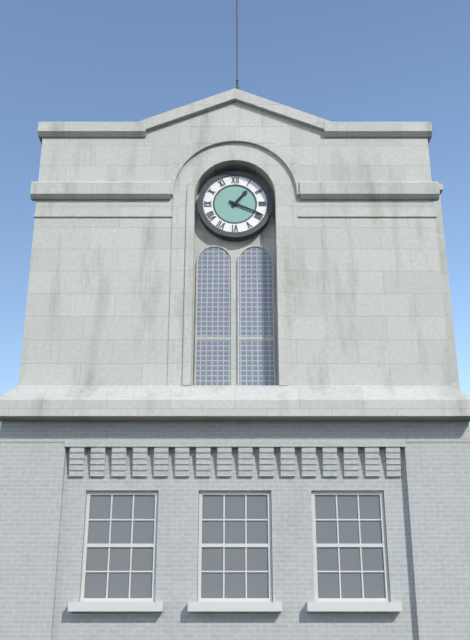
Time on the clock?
1:19
